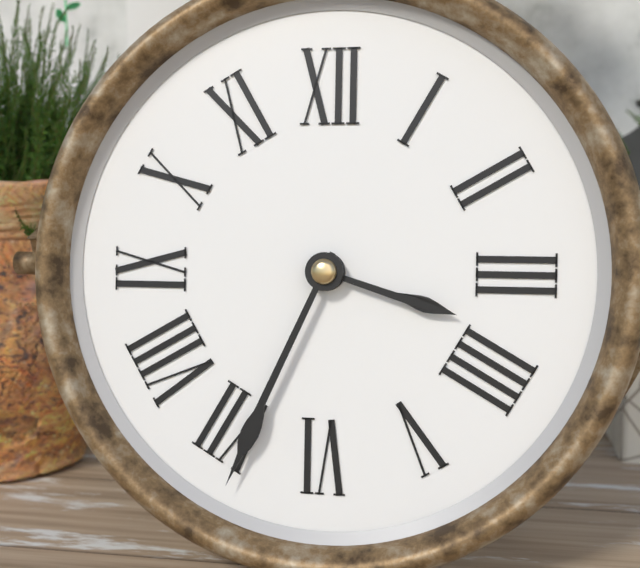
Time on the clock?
3:34
